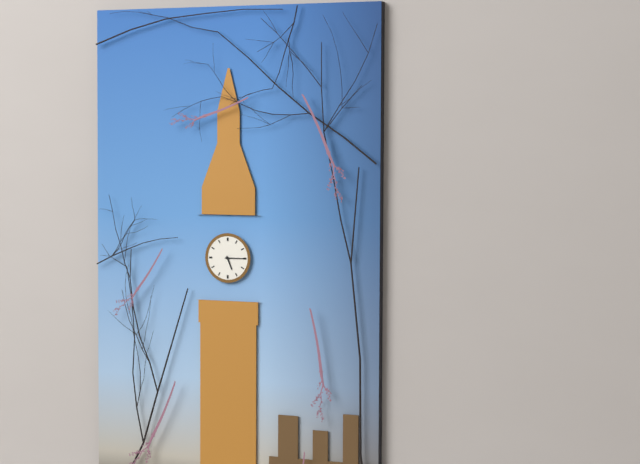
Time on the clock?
5:15
